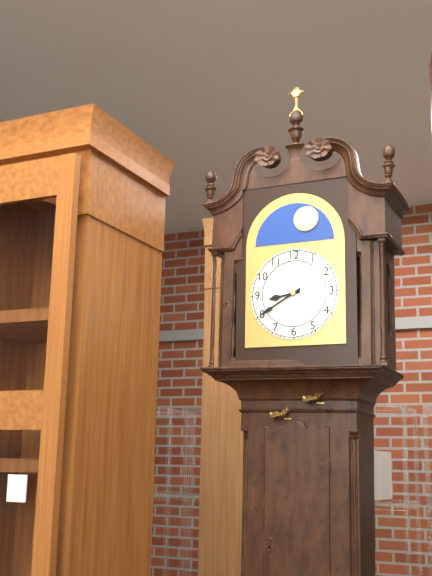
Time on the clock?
8:40
